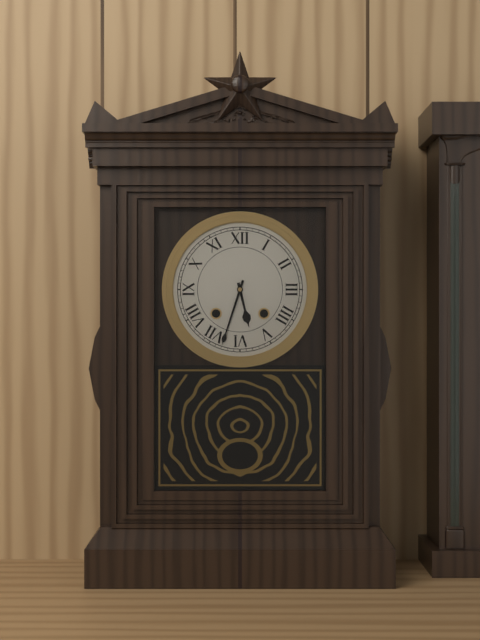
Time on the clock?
5:33
